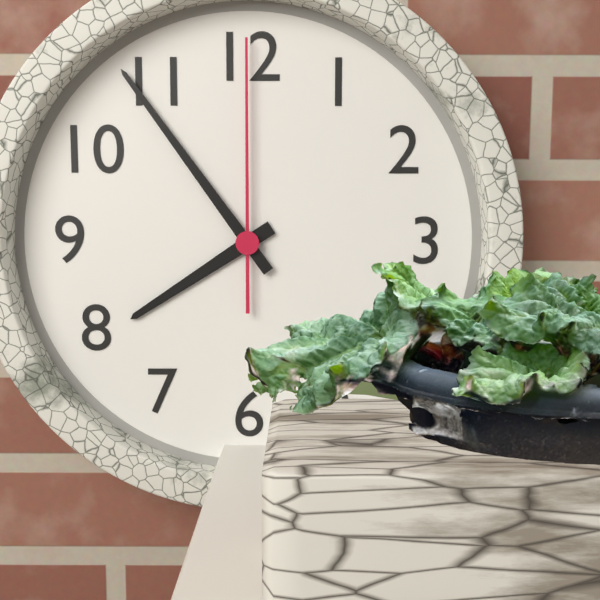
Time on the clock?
7:54:00
